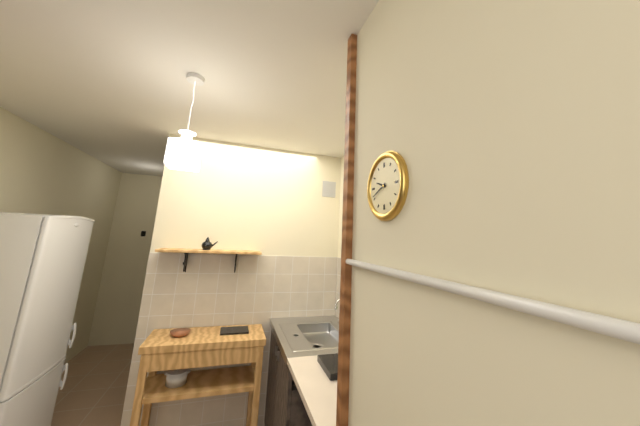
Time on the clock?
9:41
